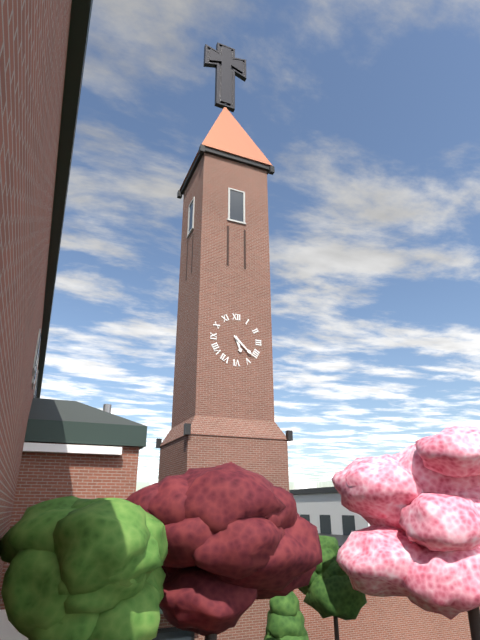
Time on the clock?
5:22
